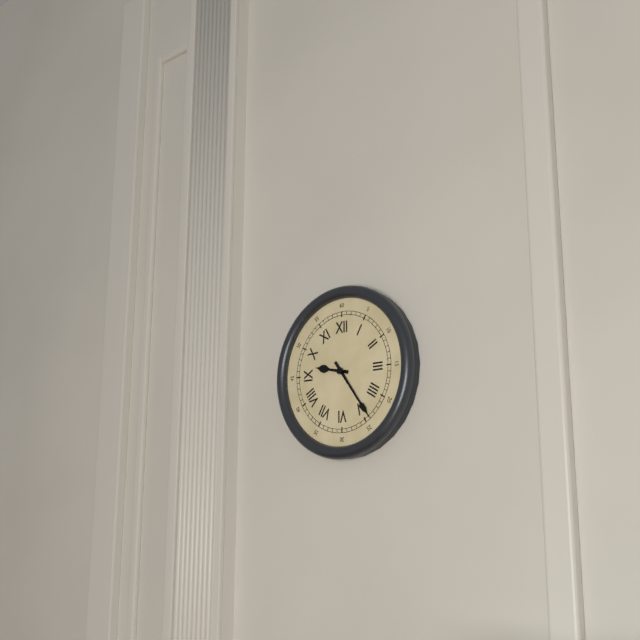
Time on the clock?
9:24
